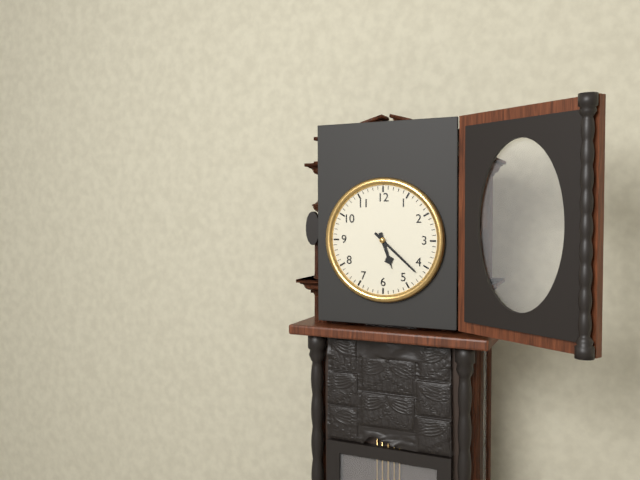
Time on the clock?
5:22
